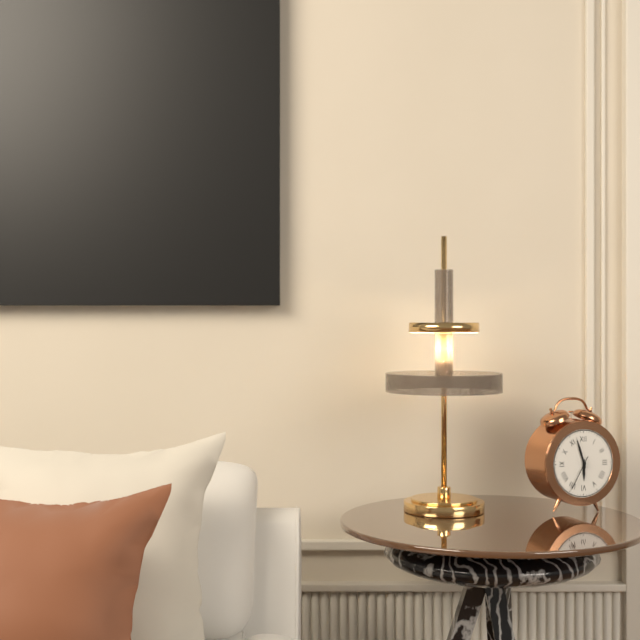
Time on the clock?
5:57
